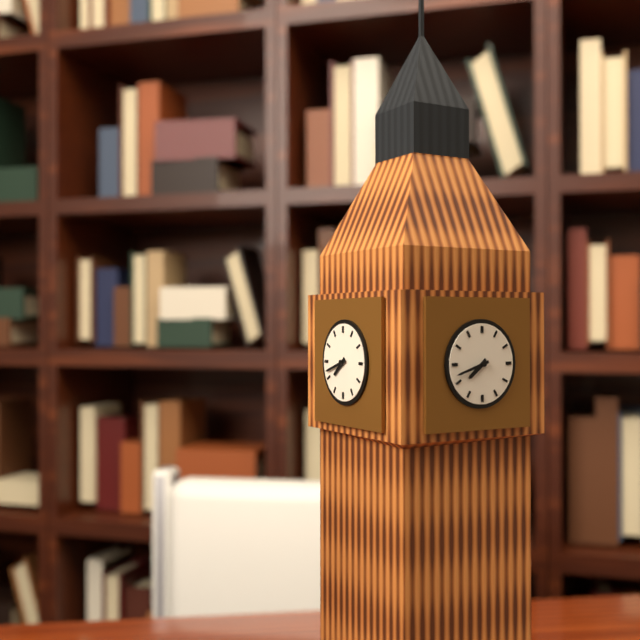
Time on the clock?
7:42
